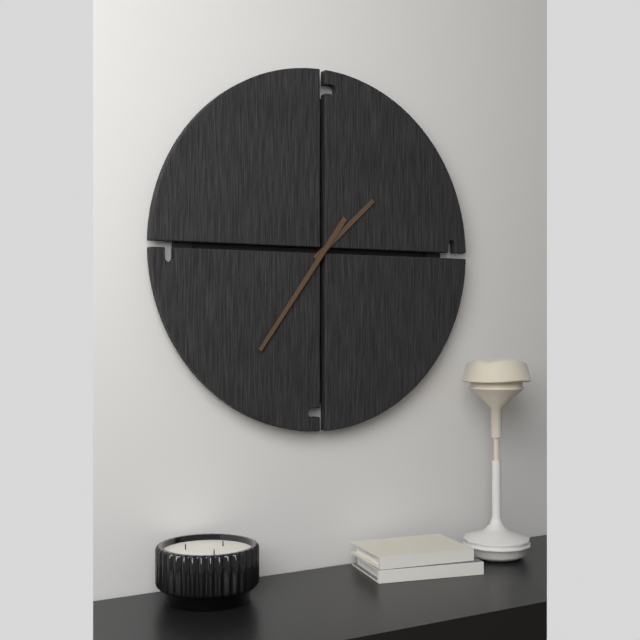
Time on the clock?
1:36
